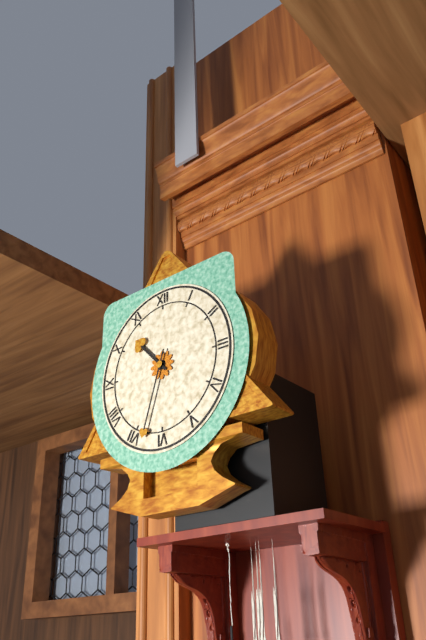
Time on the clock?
10:33
